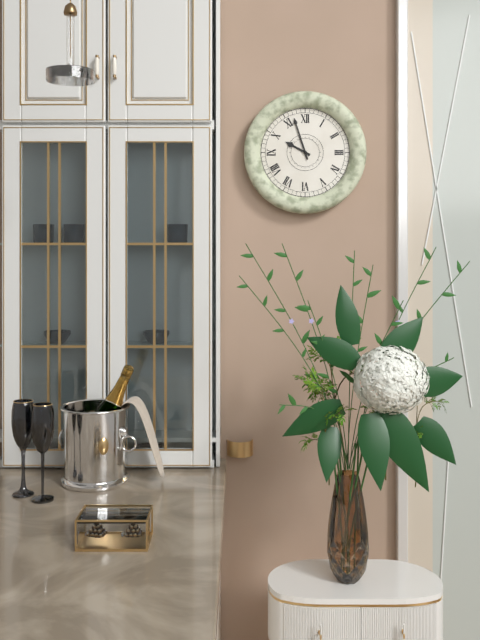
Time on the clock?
9:57
